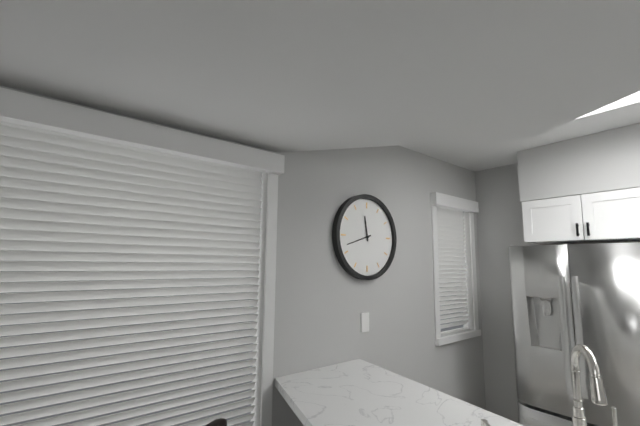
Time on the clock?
11:42
